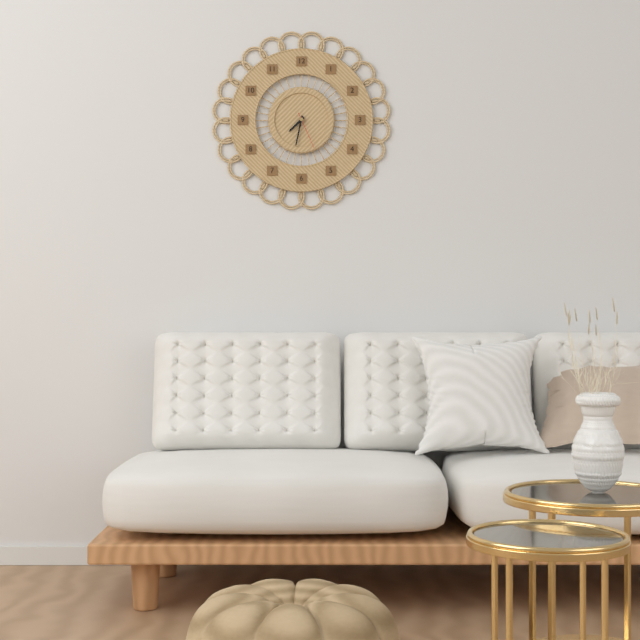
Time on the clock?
7:32
